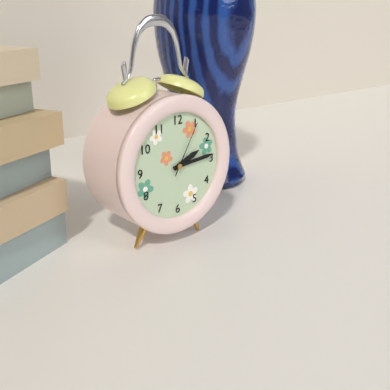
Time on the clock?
2:14:05
